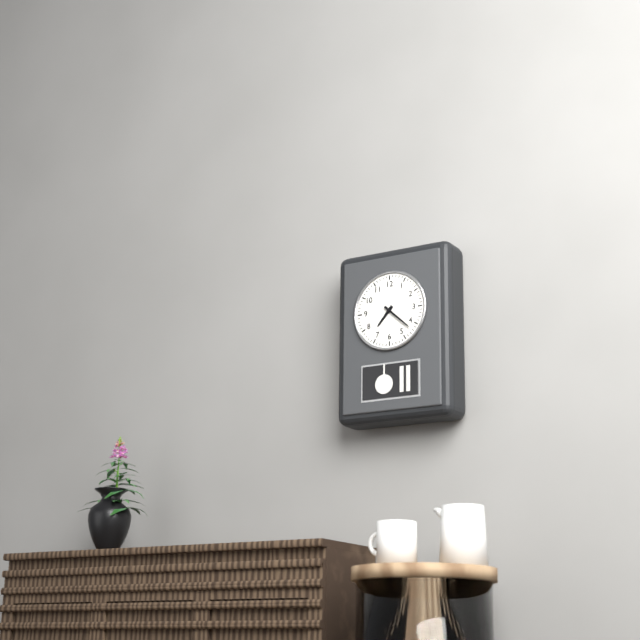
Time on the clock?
7:22
